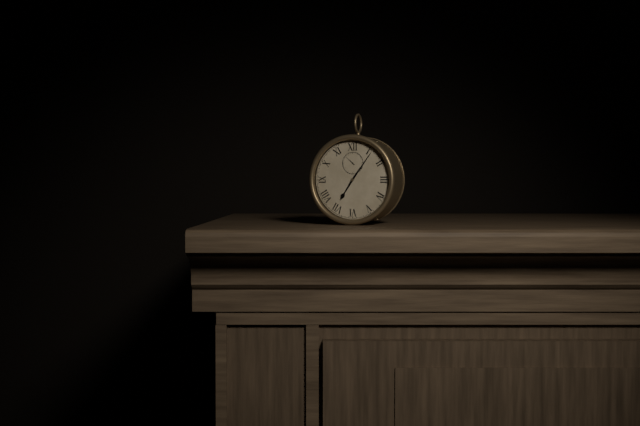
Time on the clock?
7:06
